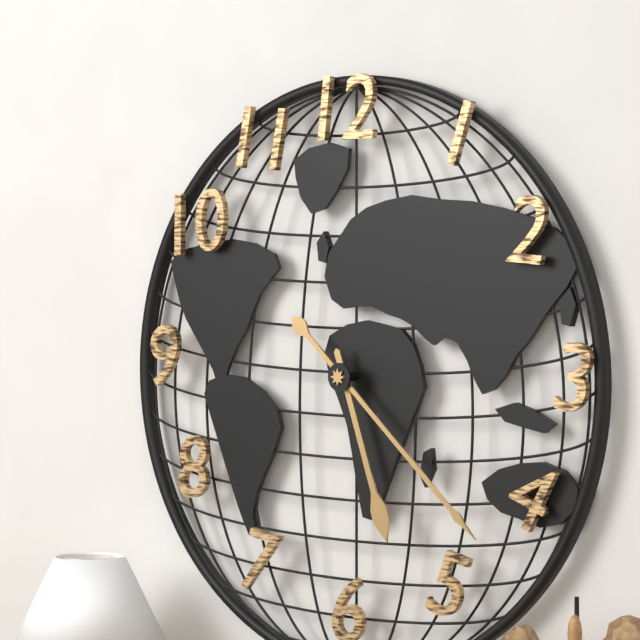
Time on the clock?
5:22
